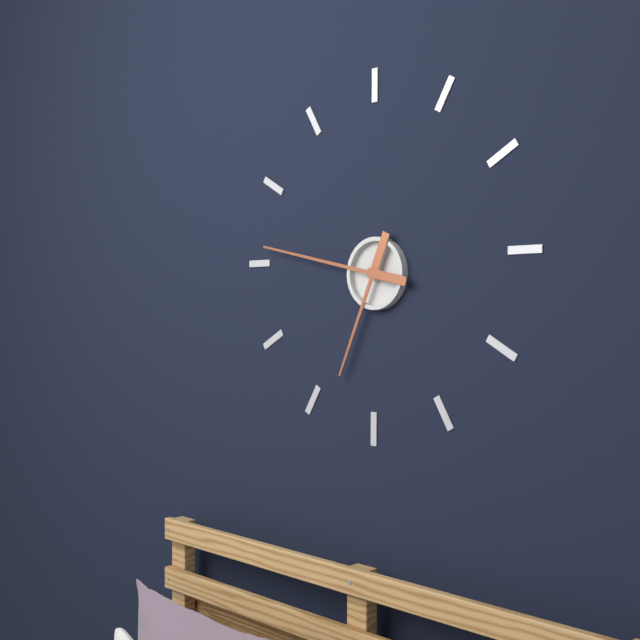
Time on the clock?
6:47
